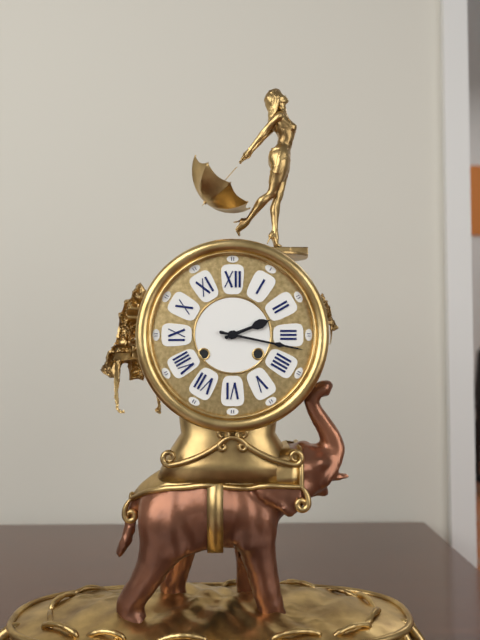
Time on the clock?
2:17
